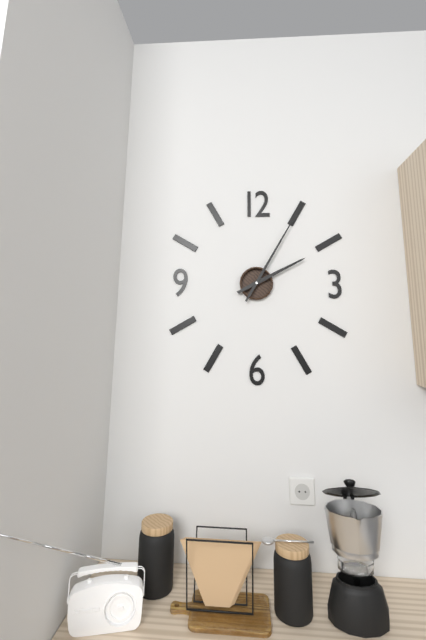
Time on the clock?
2:05
